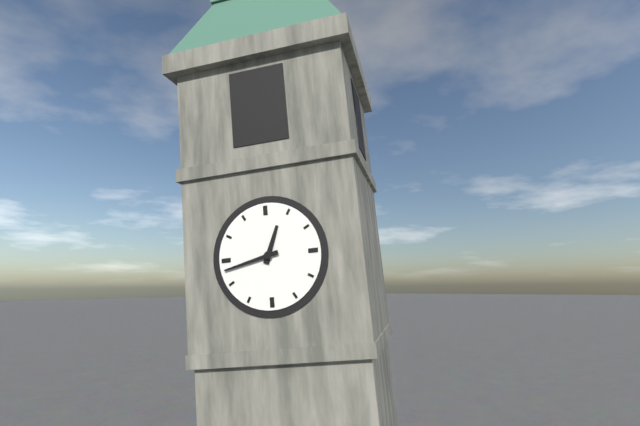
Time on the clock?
12:43
